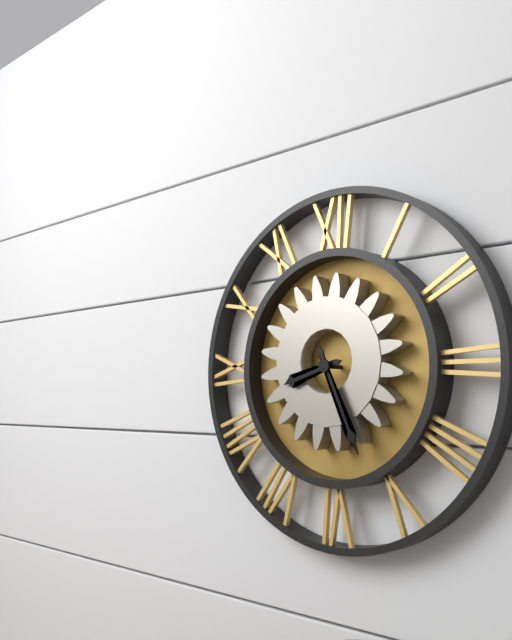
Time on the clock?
8:26
